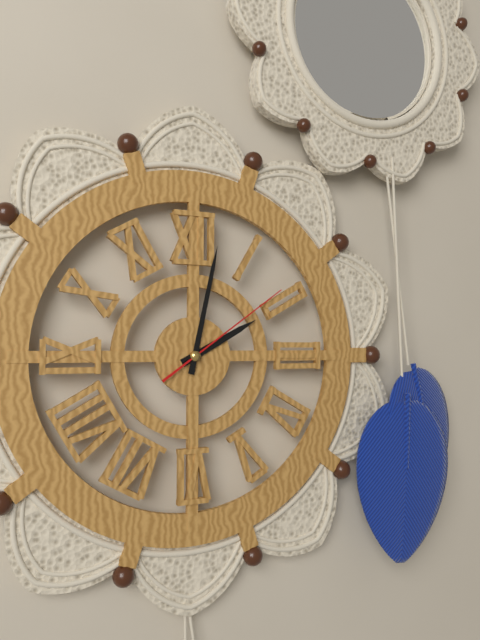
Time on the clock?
2:02:09
